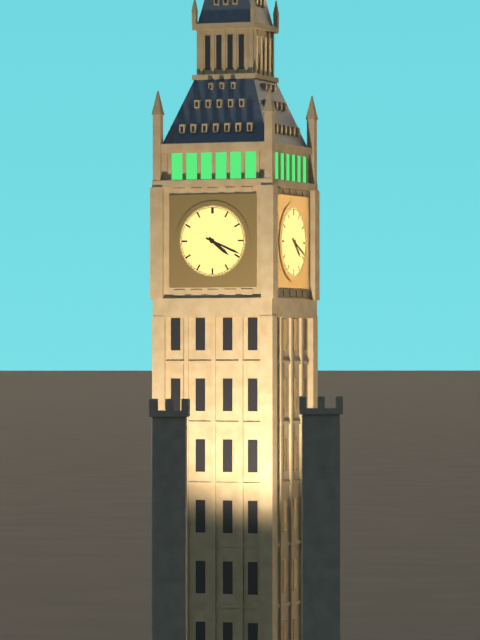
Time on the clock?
4:19
